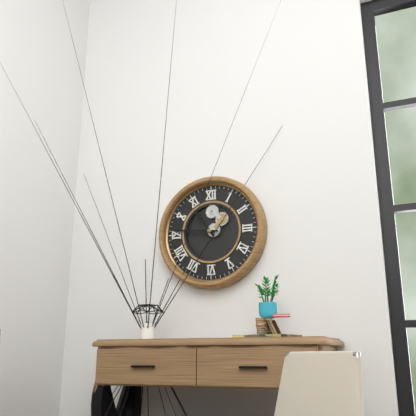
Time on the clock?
10:46
